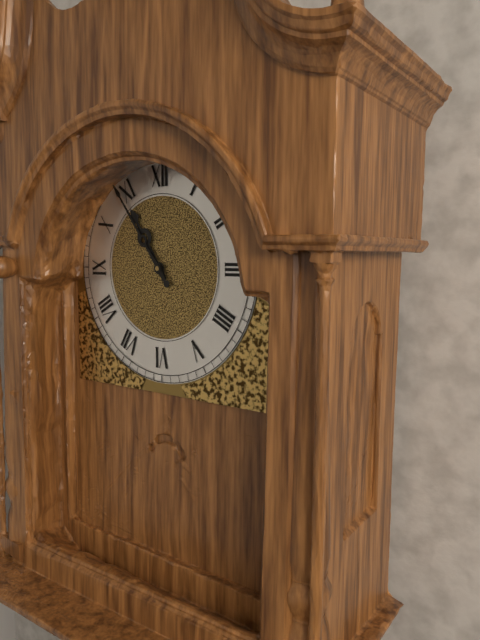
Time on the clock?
10:54
